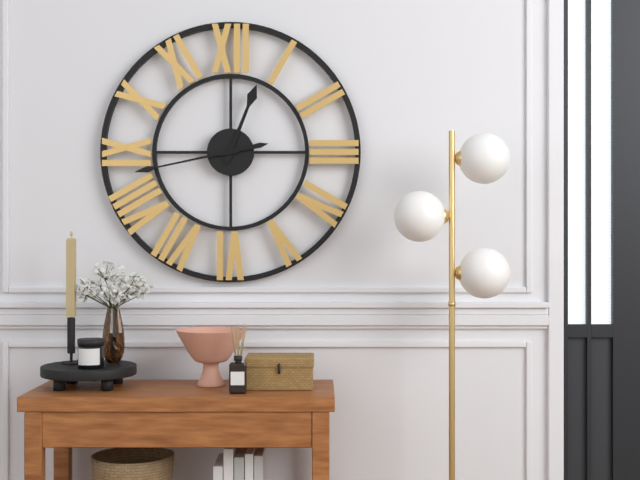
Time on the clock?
12:43
